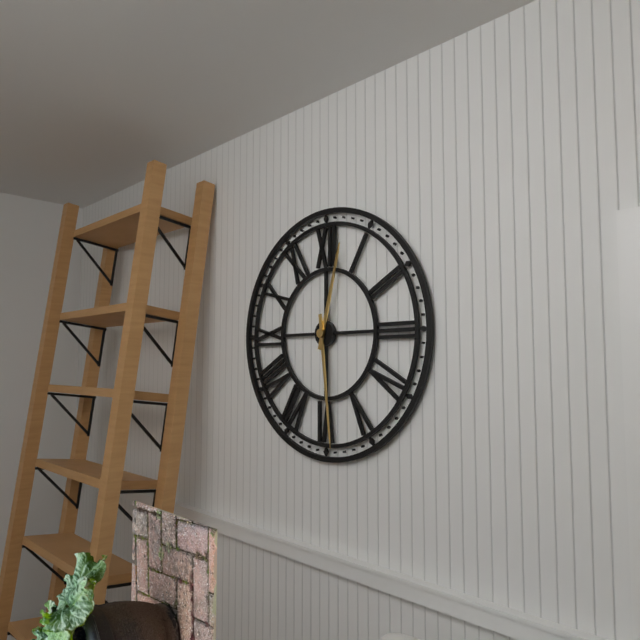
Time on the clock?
12:29
